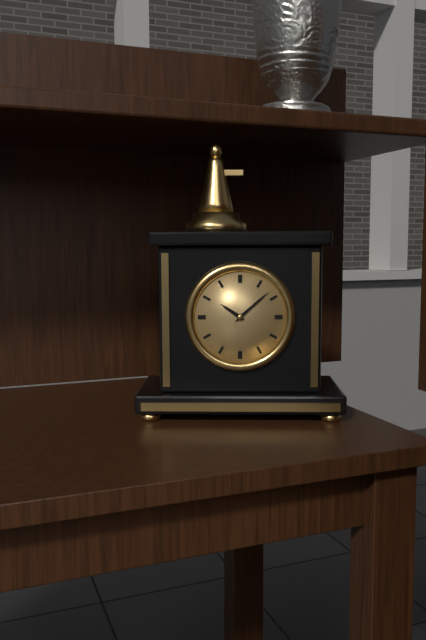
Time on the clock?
10:08
